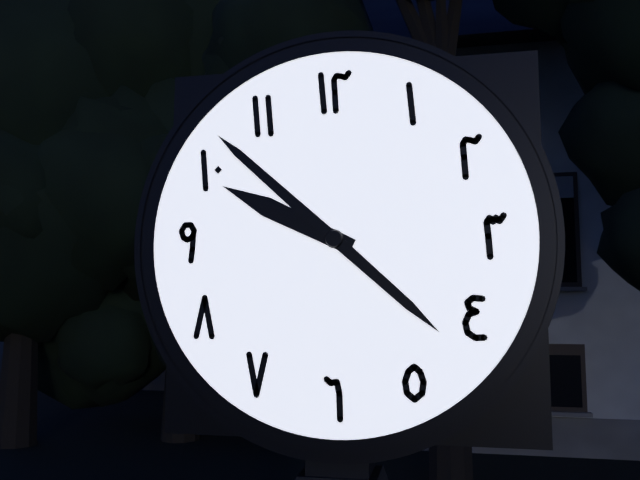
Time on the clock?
9:52
